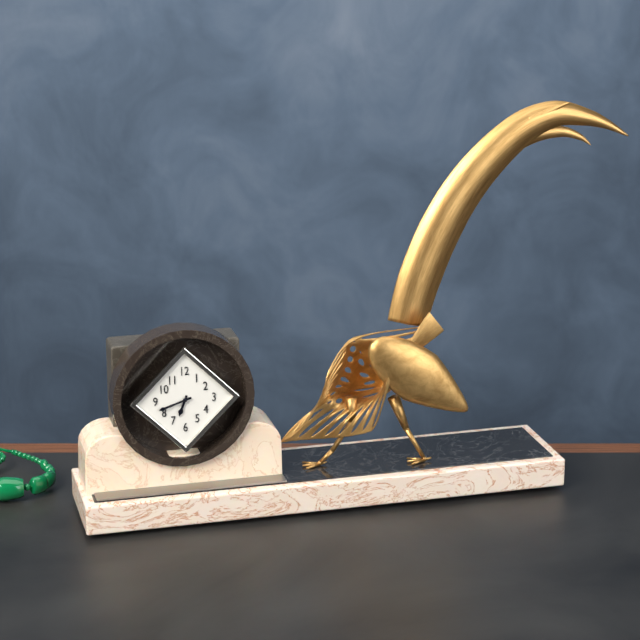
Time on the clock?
6:42
